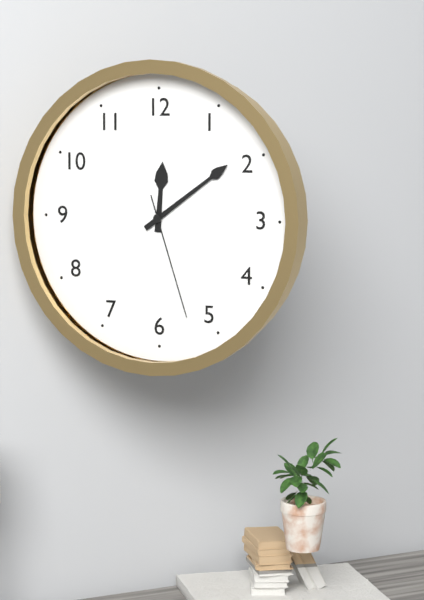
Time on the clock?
12:09:27
